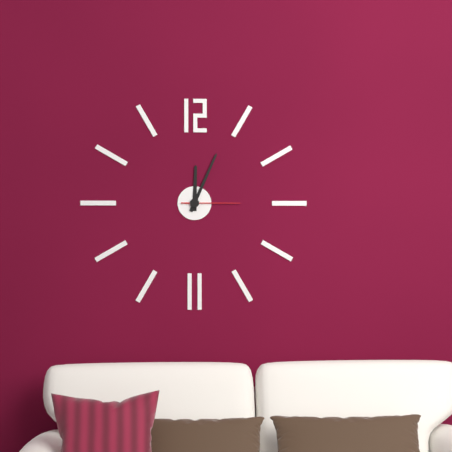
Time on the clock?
12:04:15
